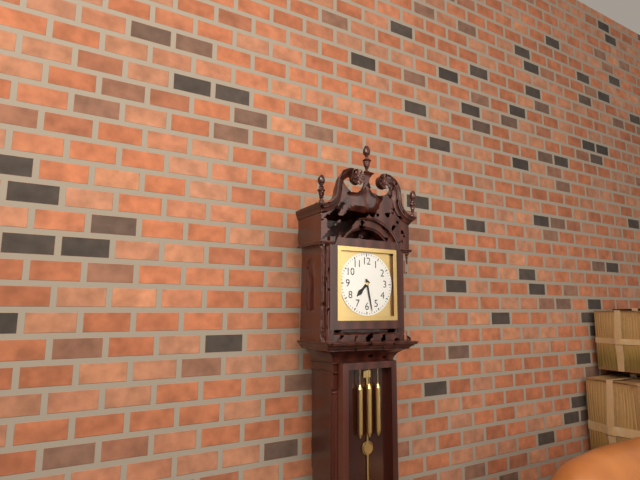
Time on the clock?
7:28
